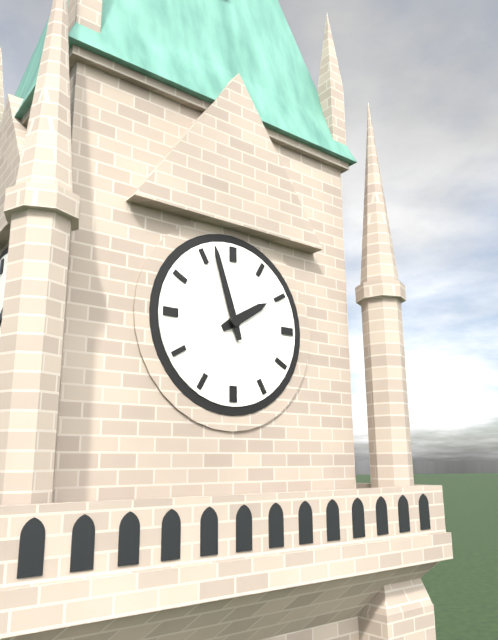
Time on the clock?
1:57
